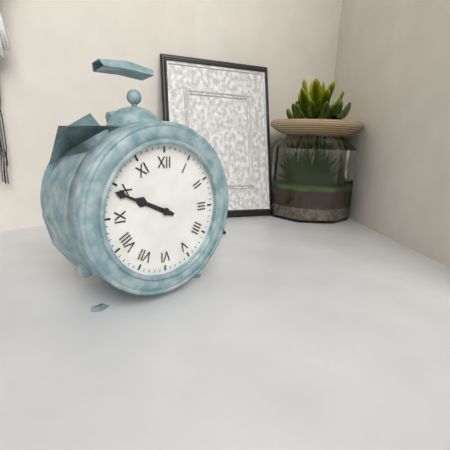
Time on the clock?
9:49
